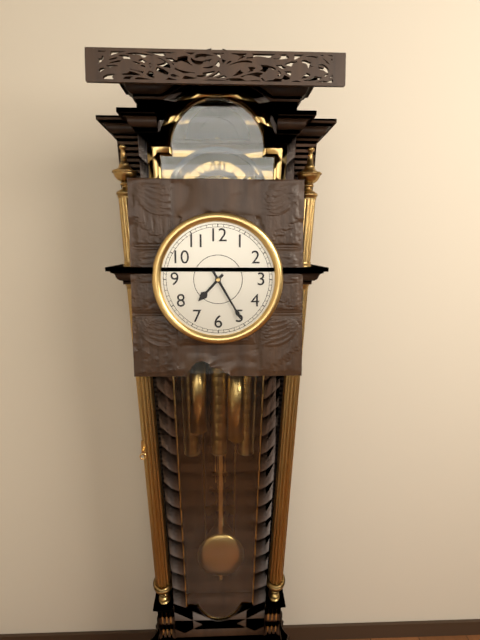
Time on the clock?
7:25
